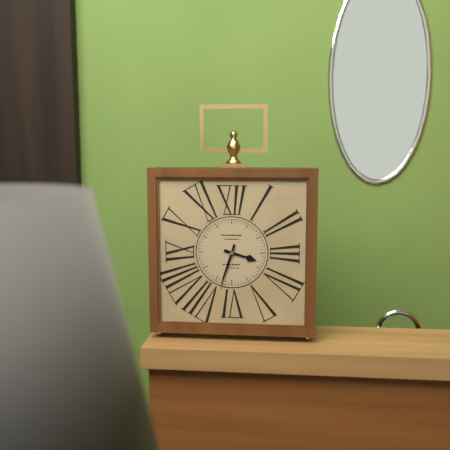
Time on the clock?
3:33
